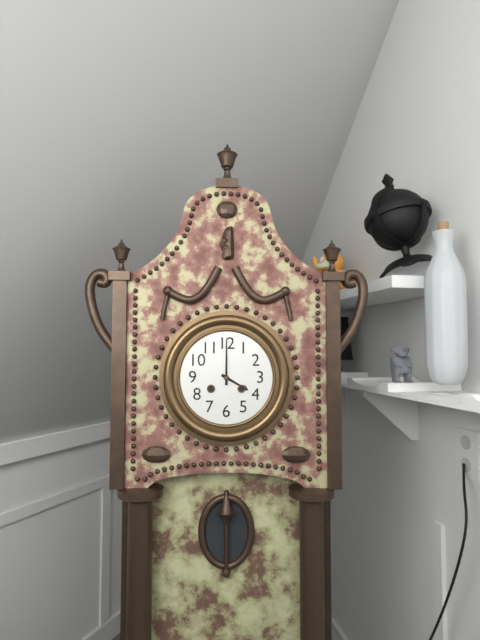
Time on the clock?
4:00
